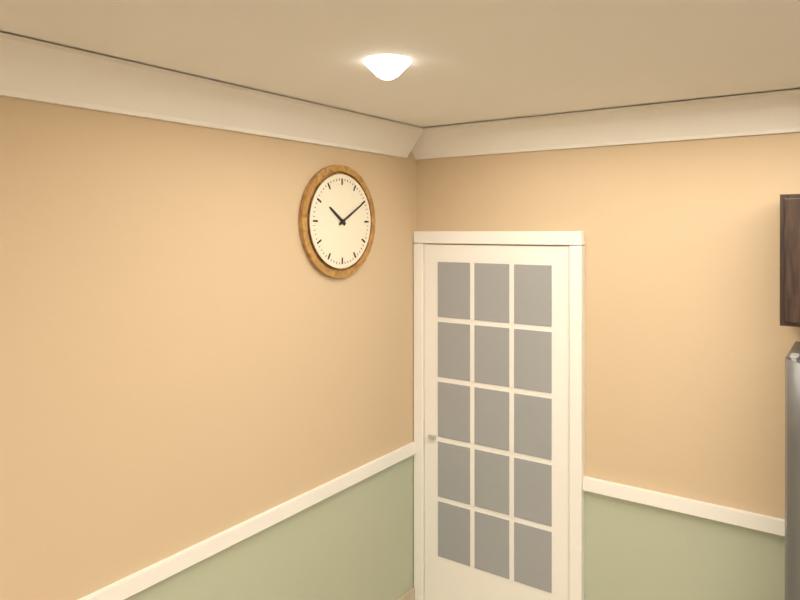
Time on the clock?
10:10
